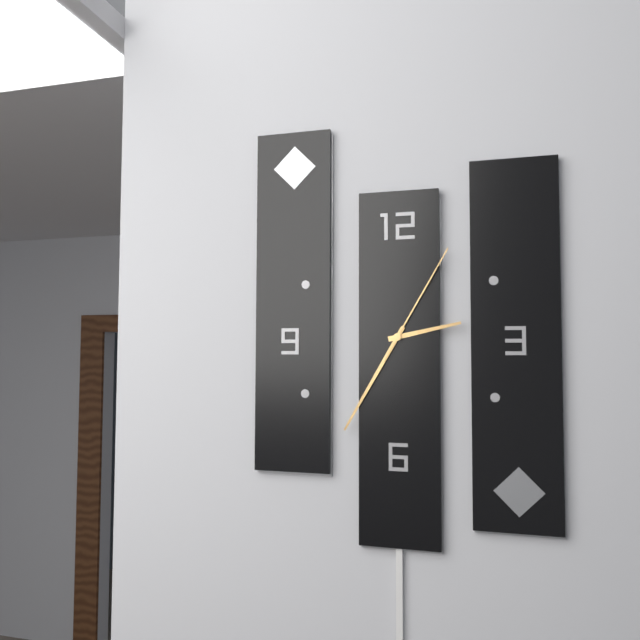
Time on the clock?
2:35:05
